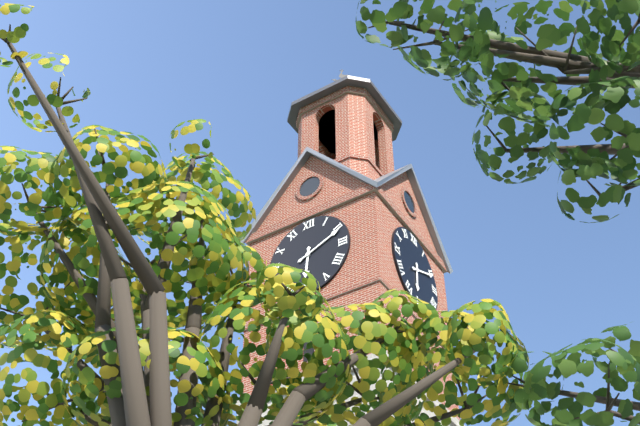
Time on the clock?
6:11
